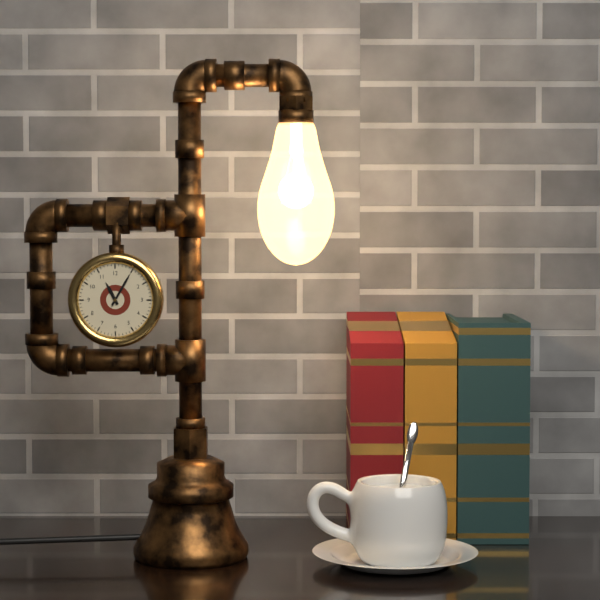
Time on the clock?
11:05
